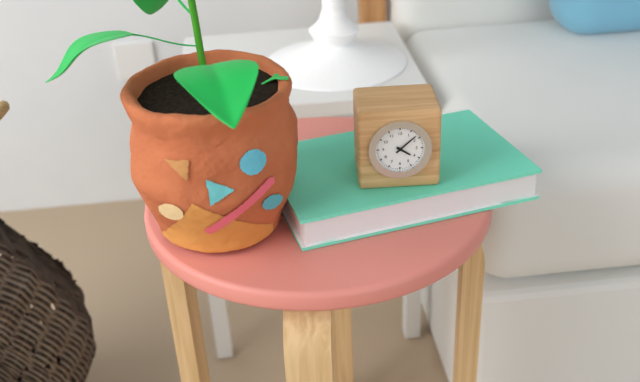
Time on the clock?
4:08
